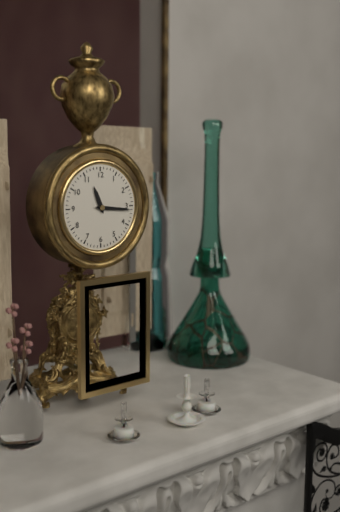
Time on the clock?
11:16
